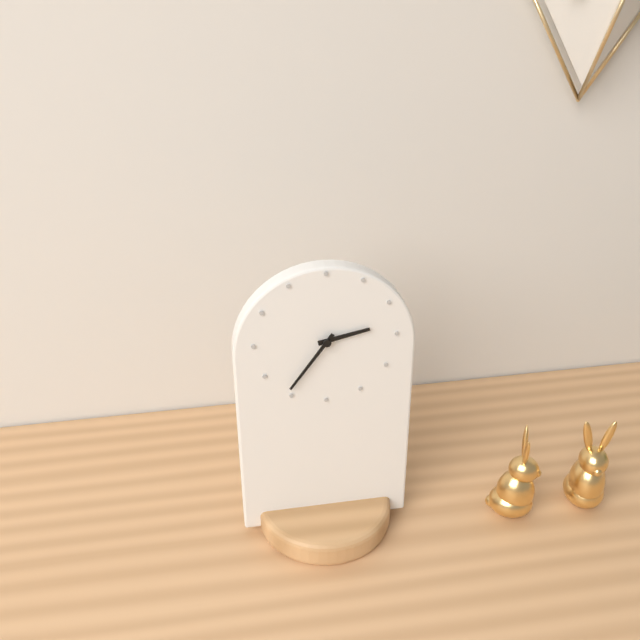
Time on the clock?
2:36
